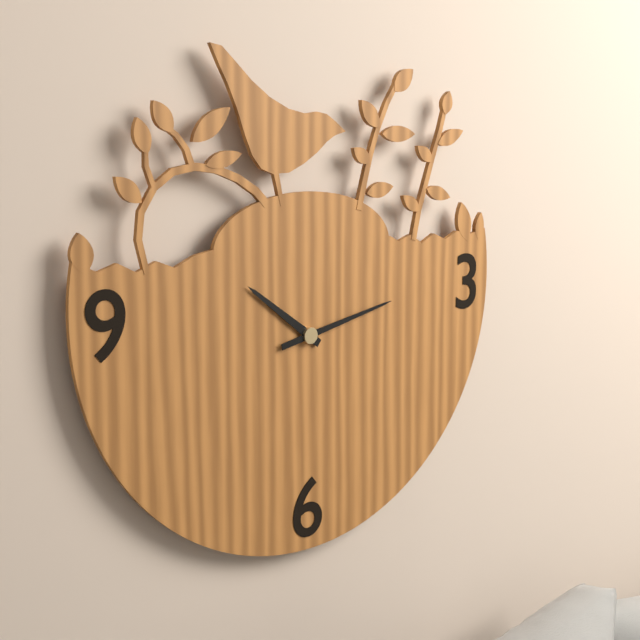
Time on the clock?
10:13
